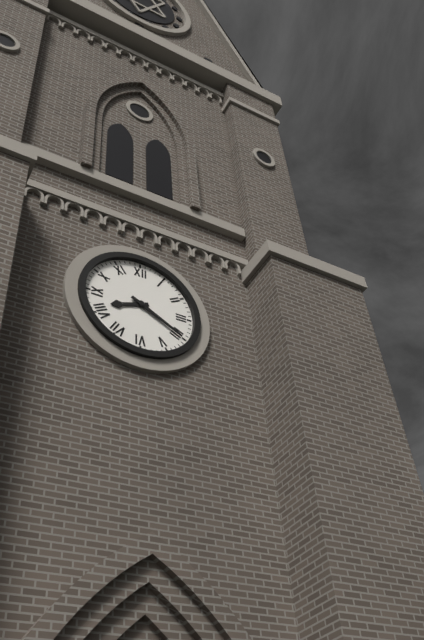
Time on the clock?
8:20
